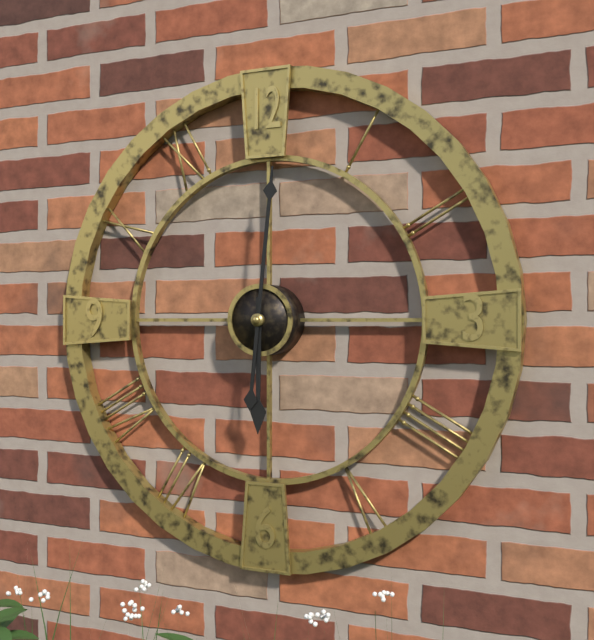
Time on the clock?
6:01
